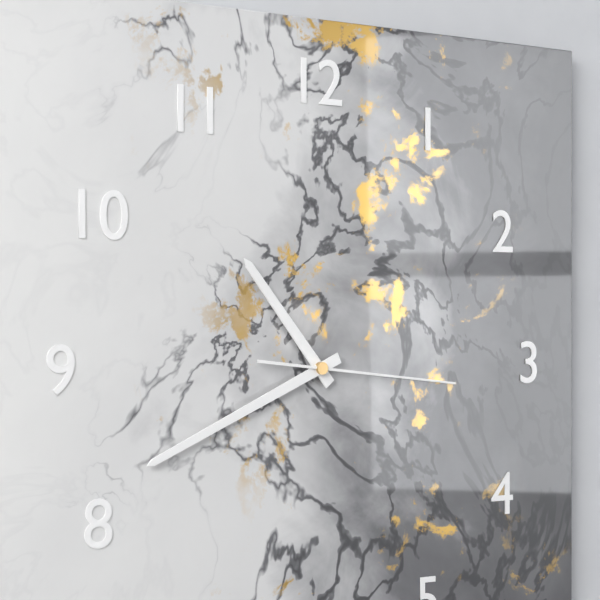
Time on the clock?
10:41:16
